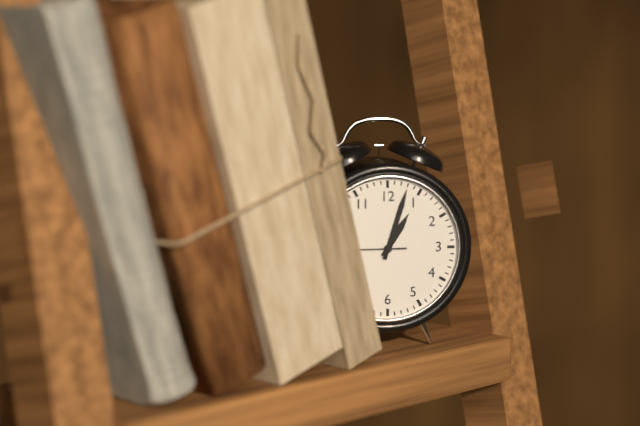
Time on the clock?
1:03
